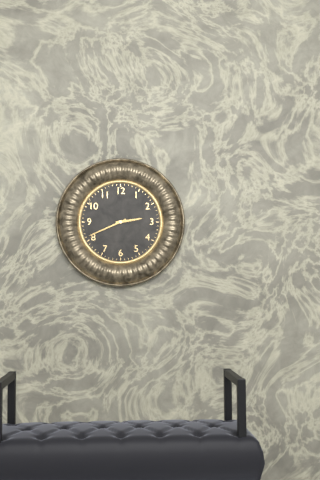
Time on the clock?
2:41
